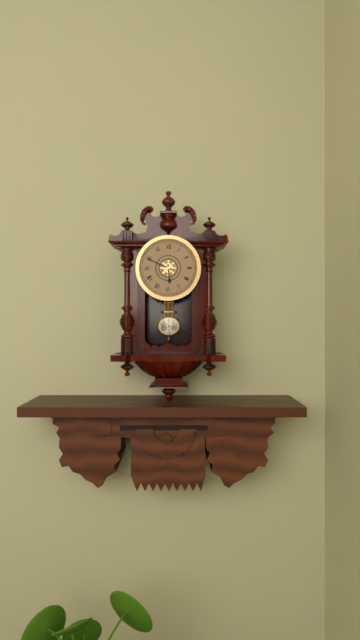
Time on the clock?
5:49
